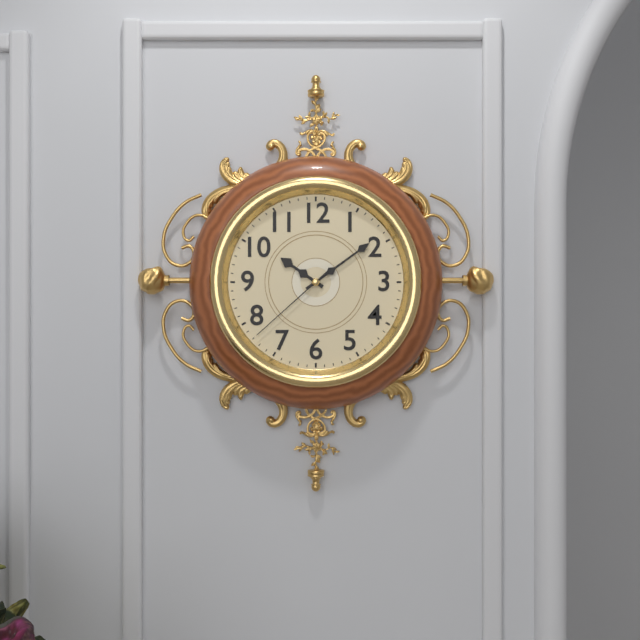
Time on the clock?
10:09:38
